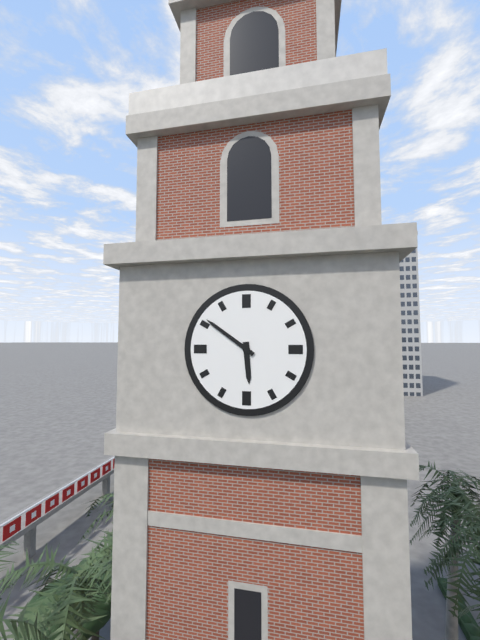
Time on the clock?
5:51
